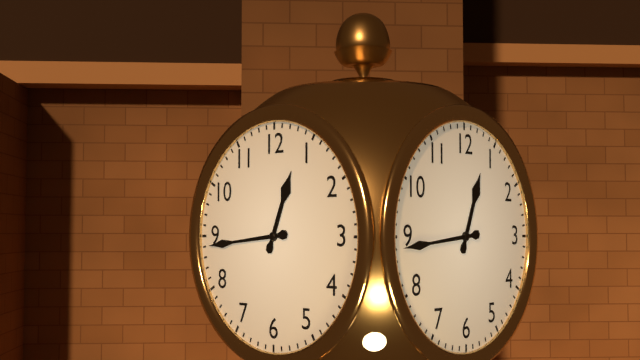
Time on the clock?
12:44
